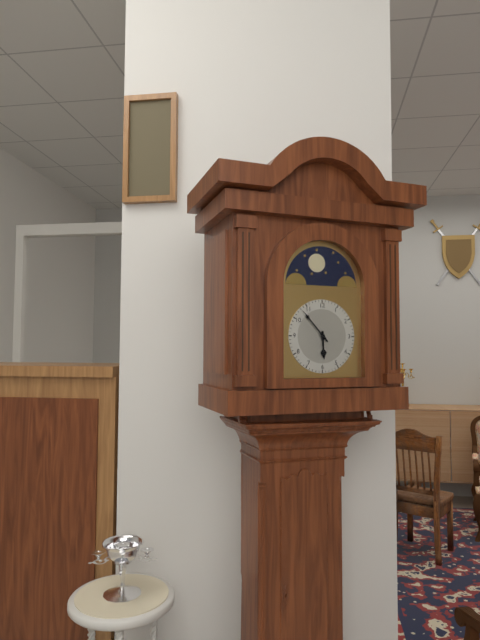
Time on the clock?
5:53
